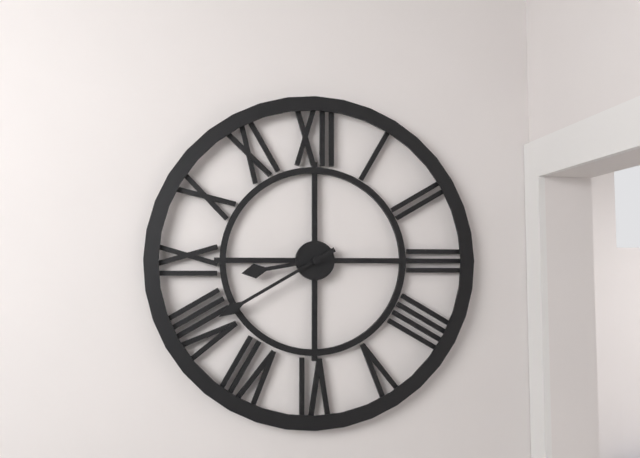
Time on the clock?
8:40
